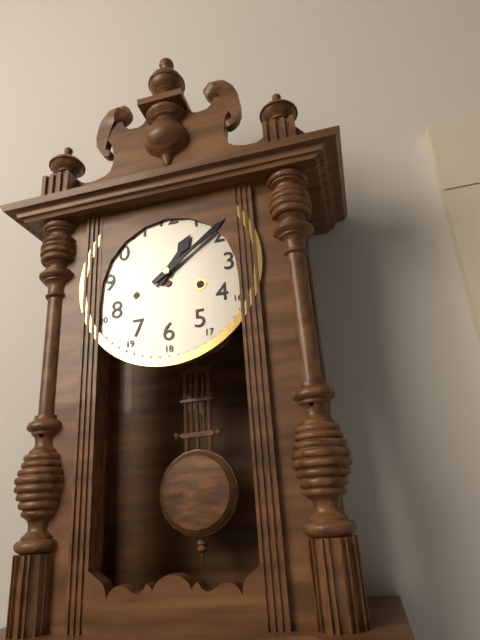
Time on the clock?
1:09
